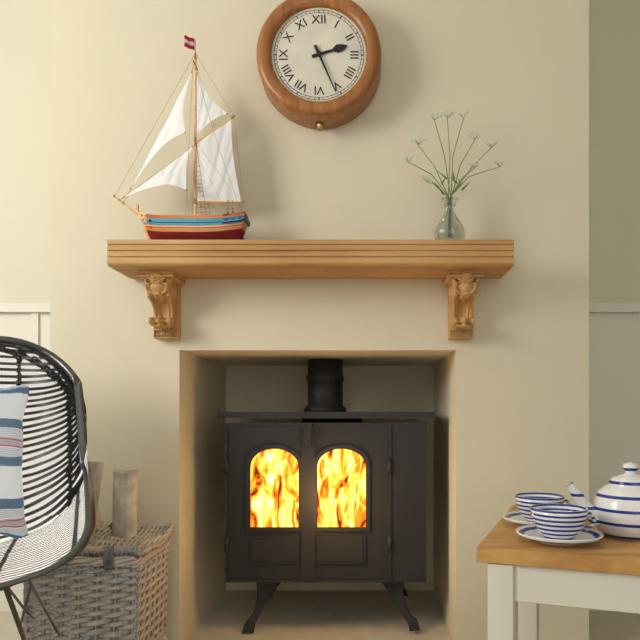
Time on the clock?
2:26
